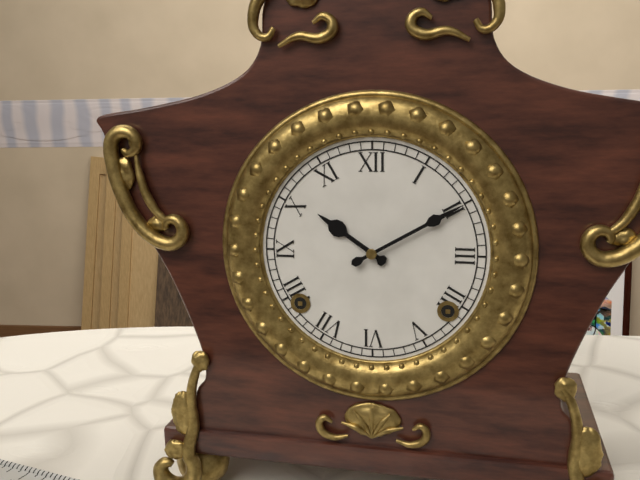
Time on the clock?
10:10
